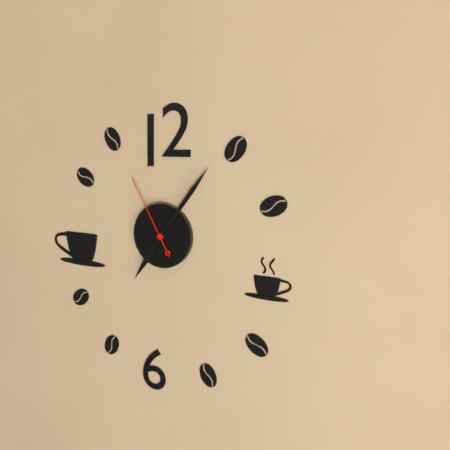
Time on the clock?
7:06:55
